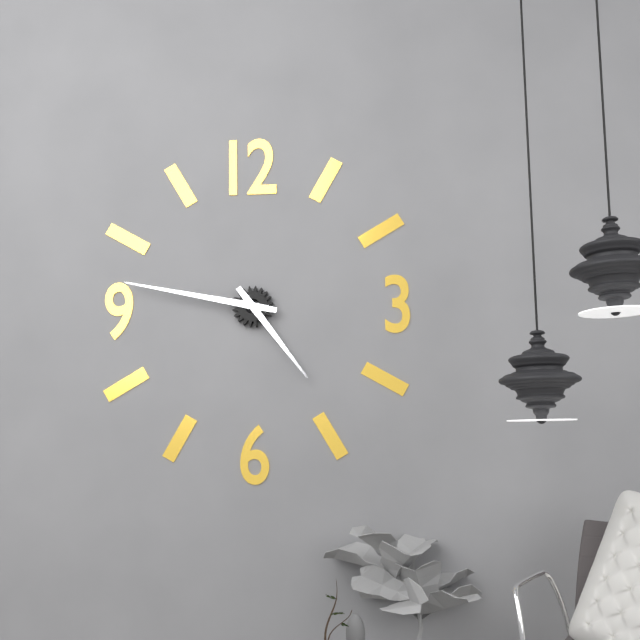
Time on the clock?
4:47
